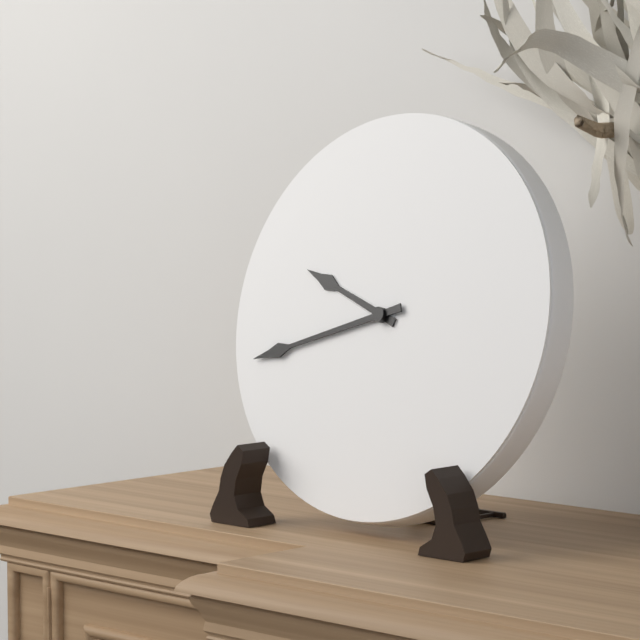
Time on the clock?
9:42
